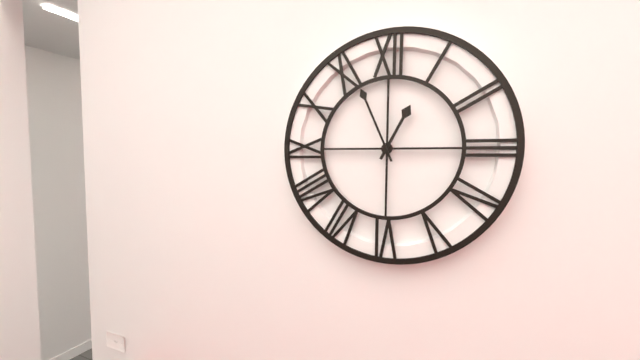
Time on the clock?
12:56
